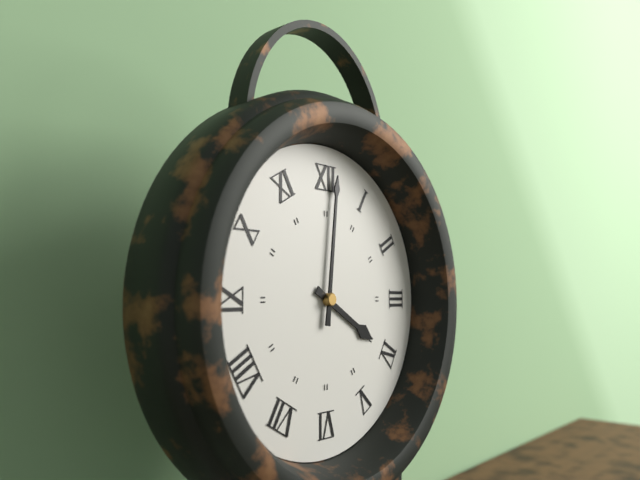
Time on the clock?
4:01
